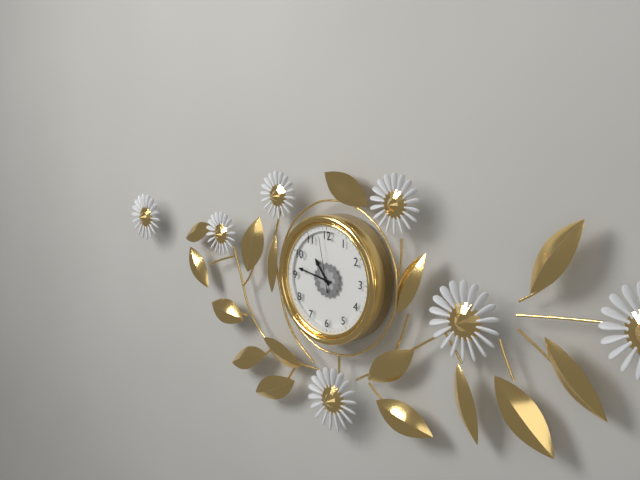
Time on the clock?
10:47:58
